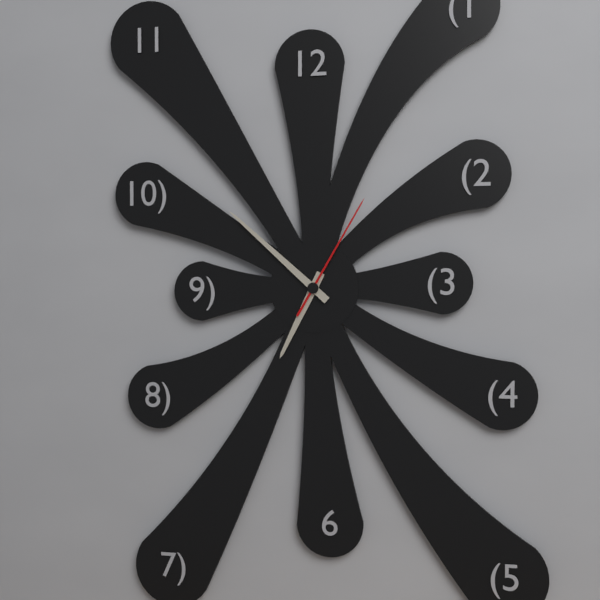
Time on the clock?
6:52:05
